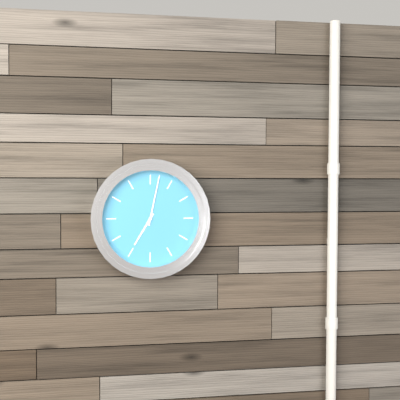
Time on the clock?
7:02
